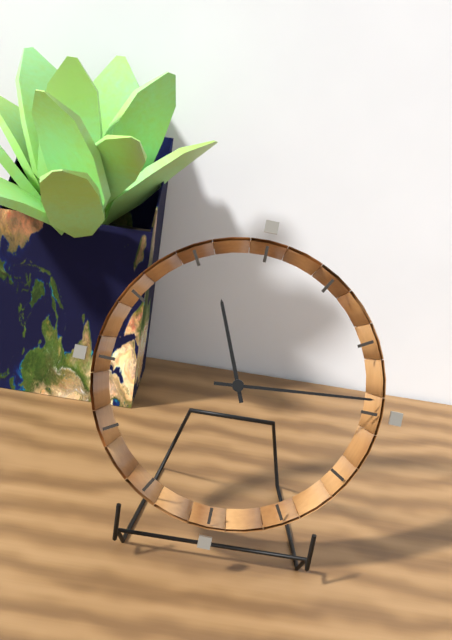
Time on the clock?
11:14
